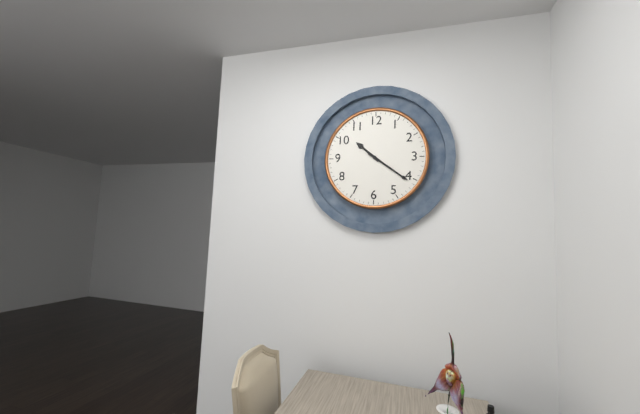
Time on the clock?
10:21
